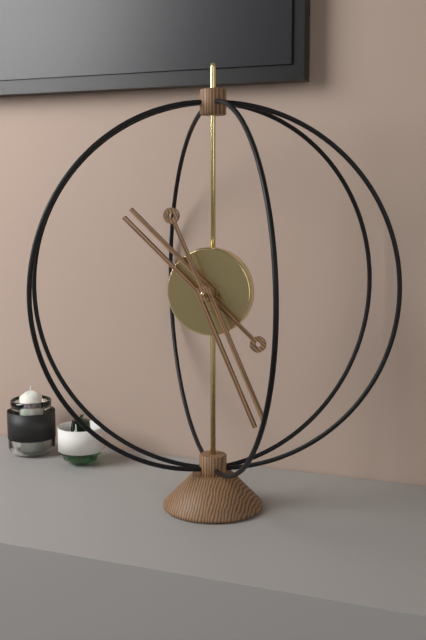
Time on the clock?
10:26
